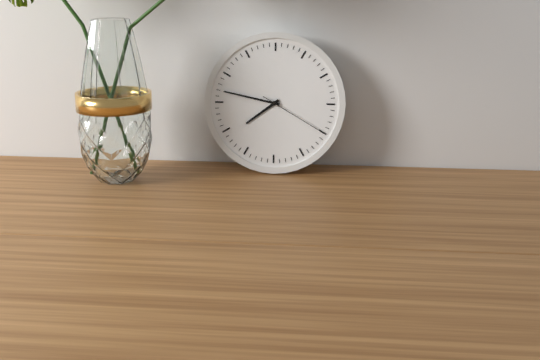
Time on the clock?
7:47:20
